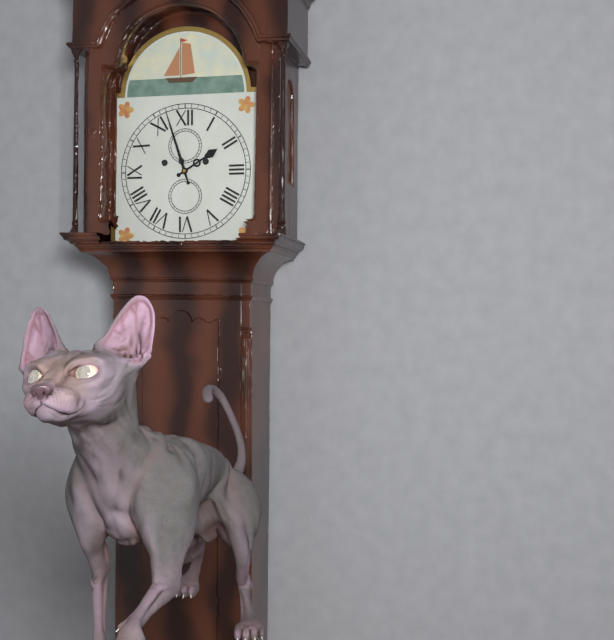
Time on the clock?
1:57
